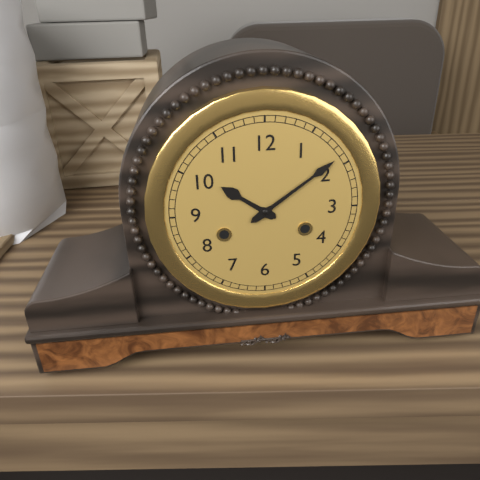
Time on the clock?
10:09
